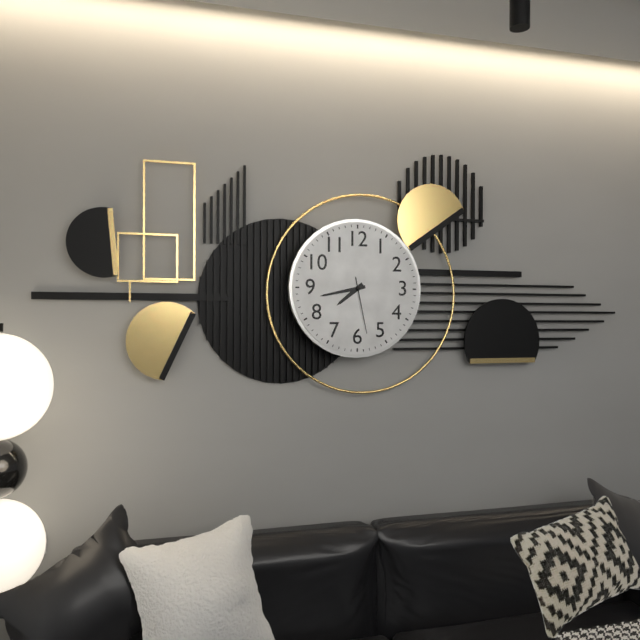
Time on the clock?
7:43:28
